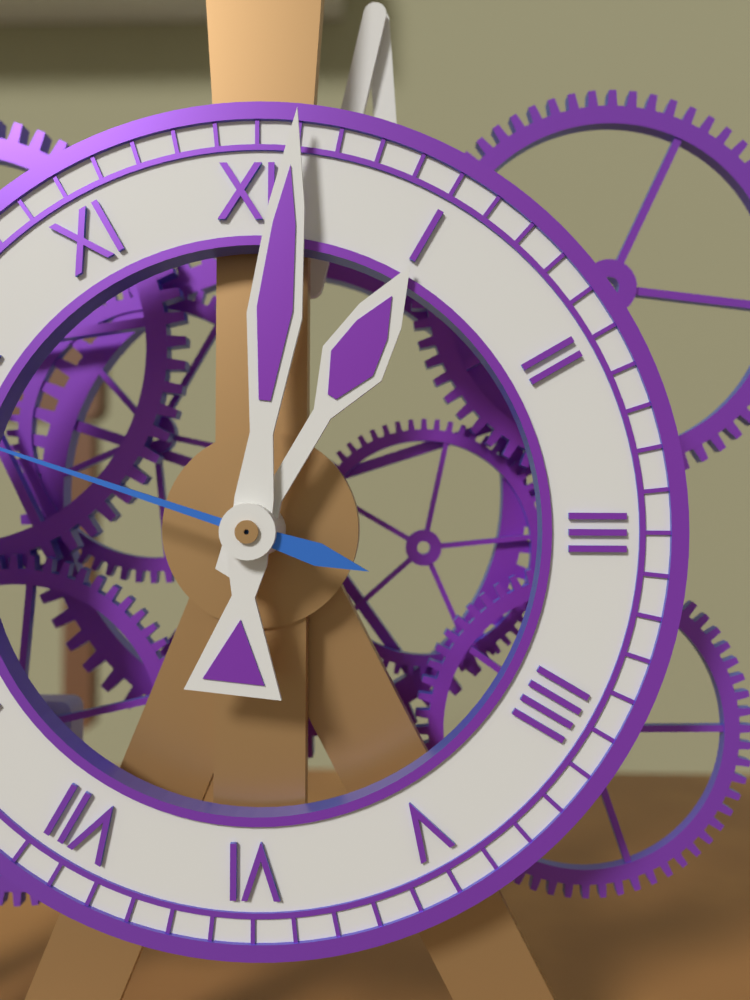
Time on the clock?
1:01
